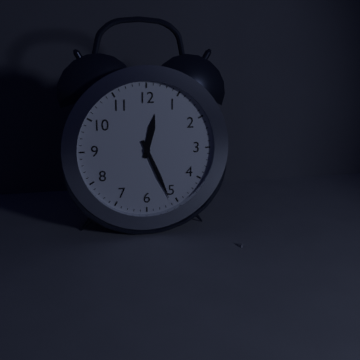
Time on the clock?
12:26
